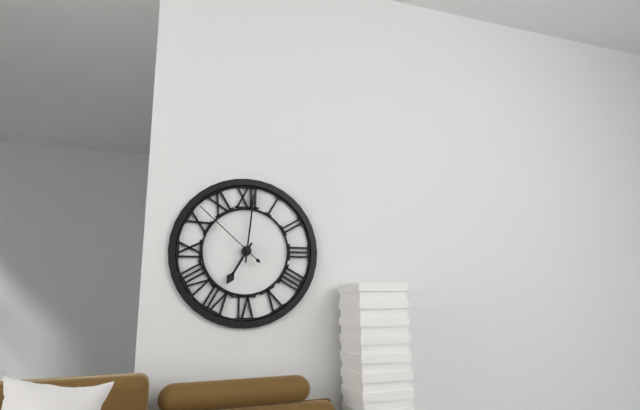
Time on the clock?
7:01:52
